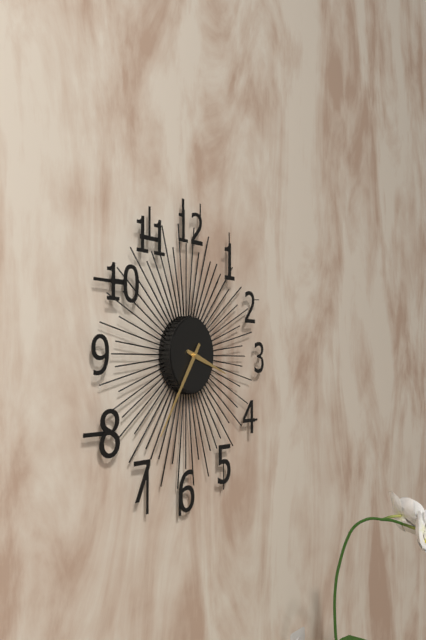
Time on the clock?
3:36
